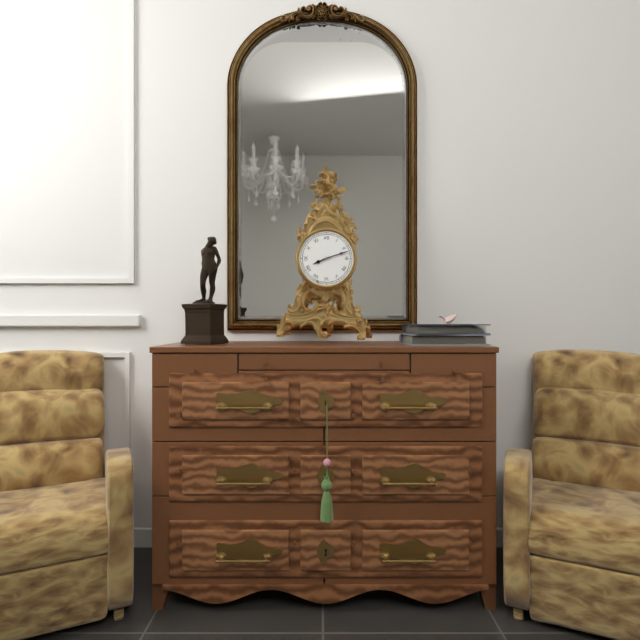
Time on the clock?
8:12
